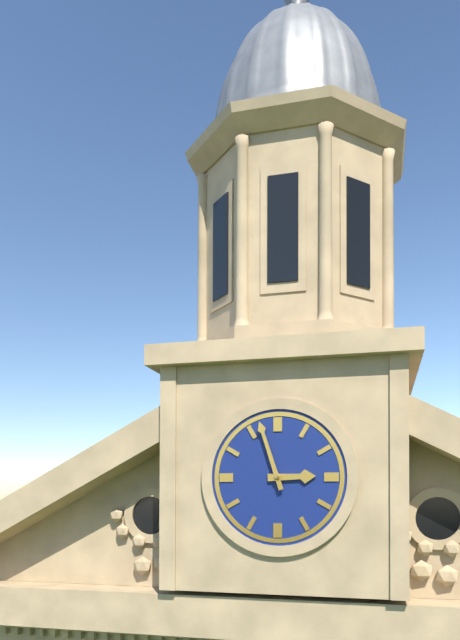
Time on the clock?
2:57
